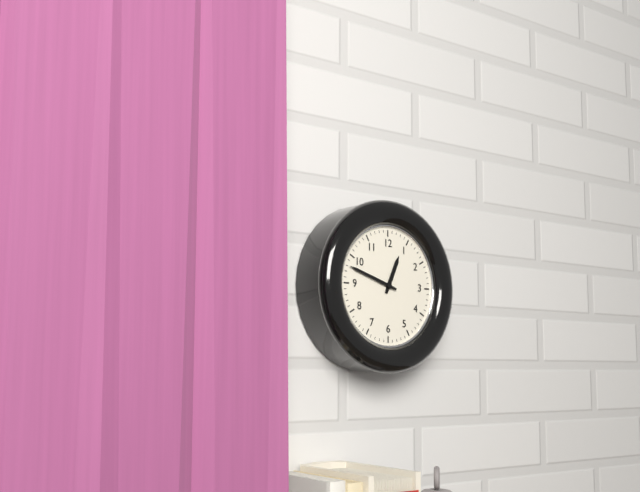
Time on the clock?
12:48
